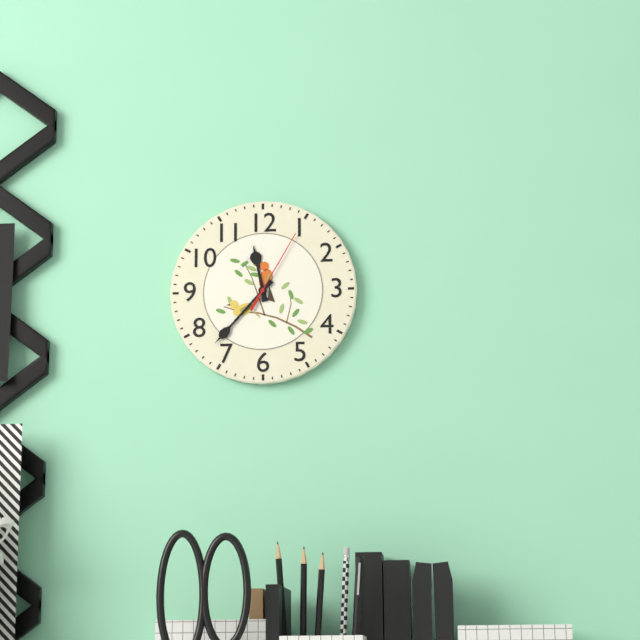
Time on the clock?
11:37:05
